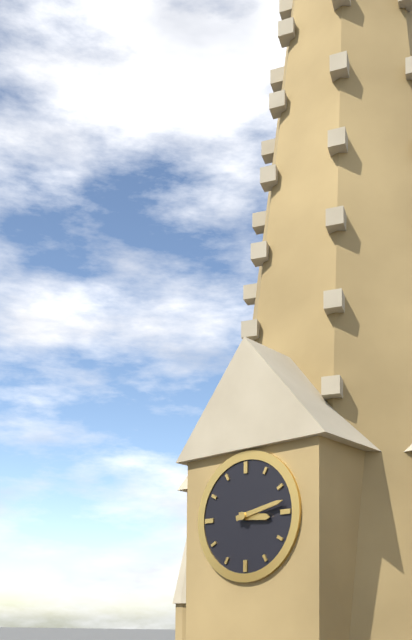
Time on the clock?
3:13
